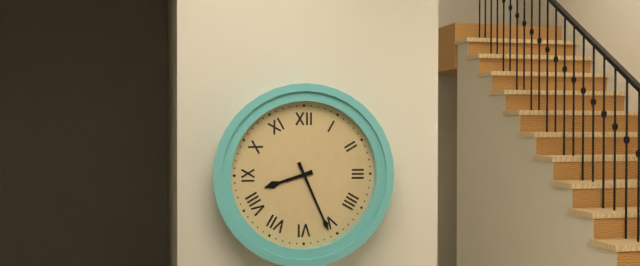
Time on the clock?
8:26
